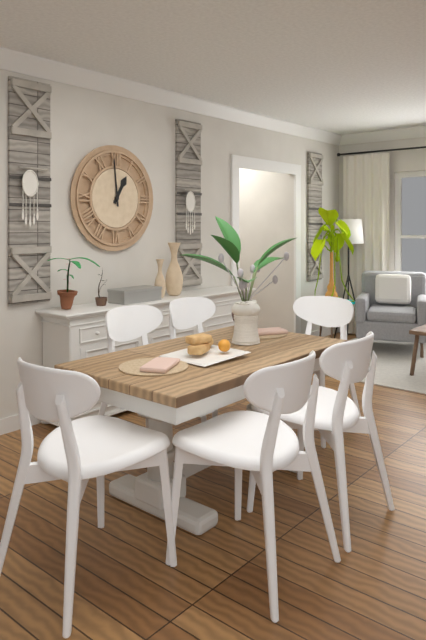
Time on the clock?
12:59
